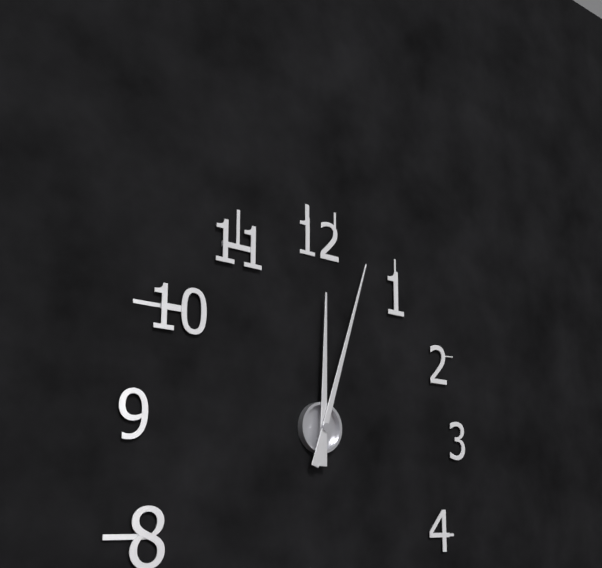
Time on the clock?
12:03
